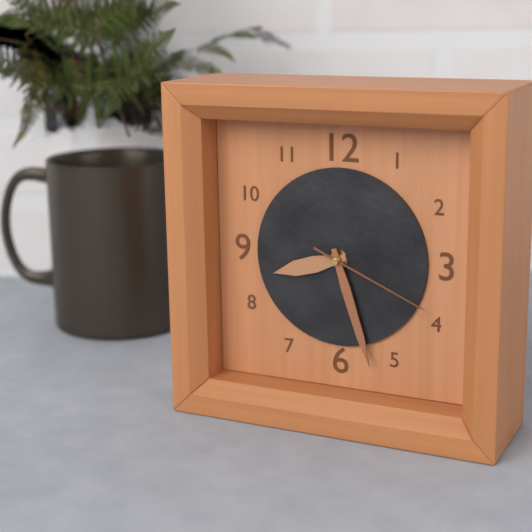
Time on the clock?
8:27:19
